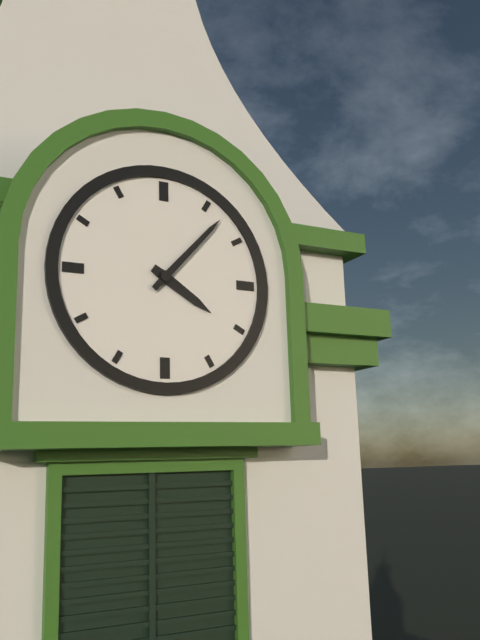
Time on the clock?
4:07
